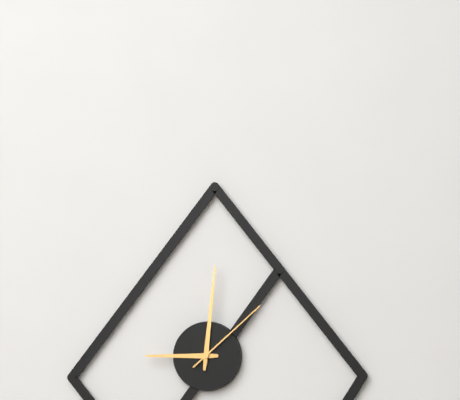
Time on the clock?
9:01:08
